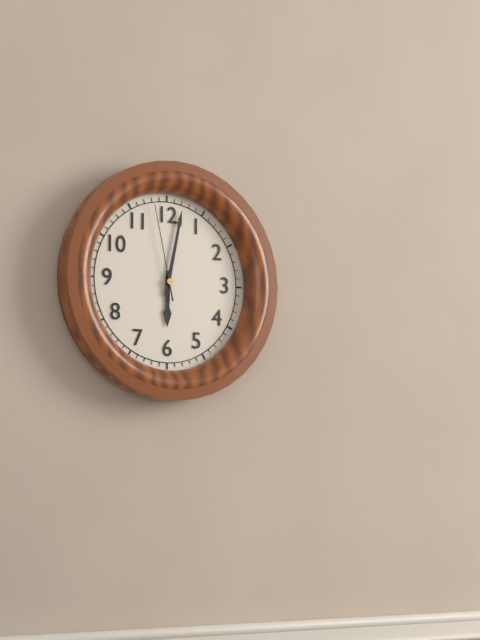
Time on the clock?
6:02:58
